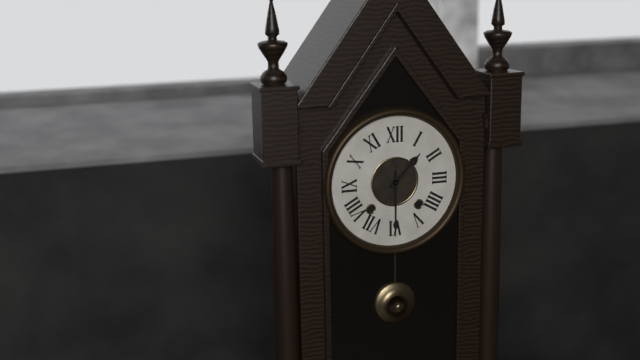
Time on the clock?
1:30
